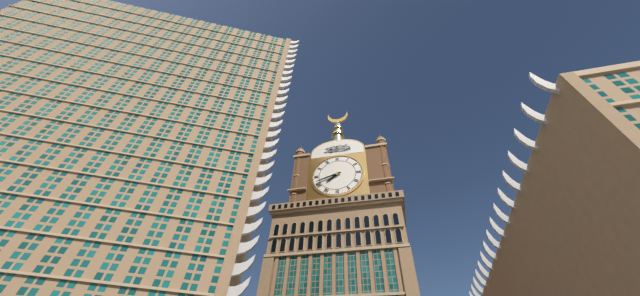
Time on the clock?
7:42
